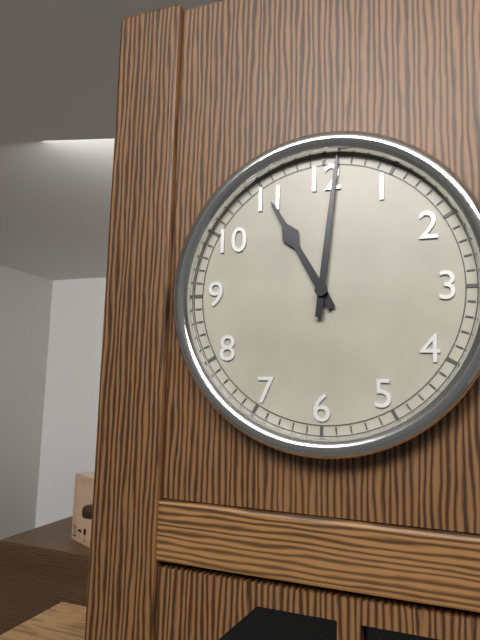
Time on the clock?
11:01
